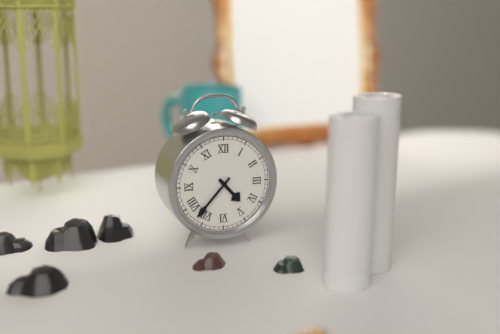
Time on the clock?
4:37
